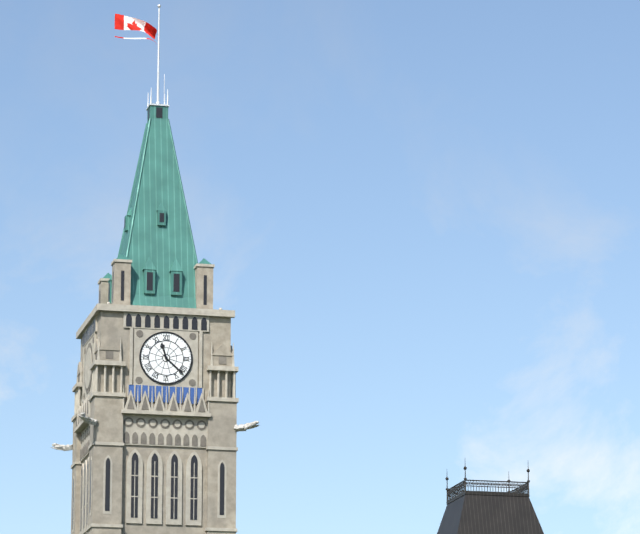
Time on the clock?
11:22
